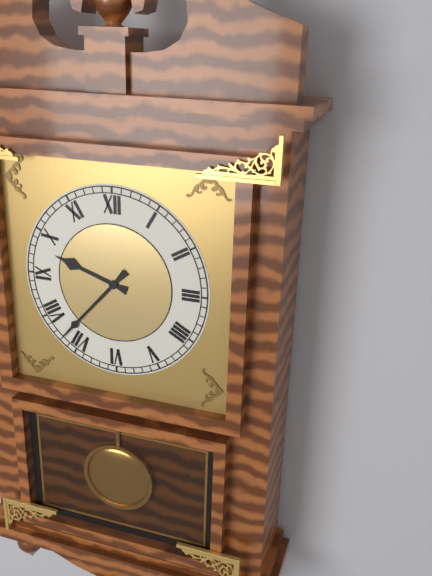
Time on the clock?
9:37
